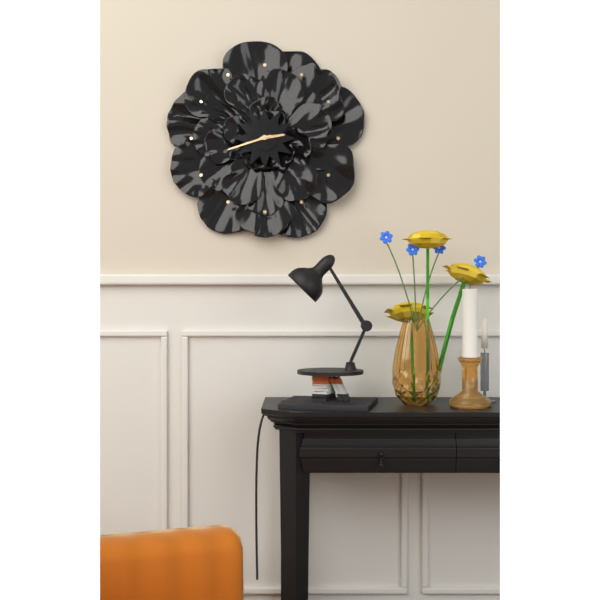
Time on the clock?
2:42
